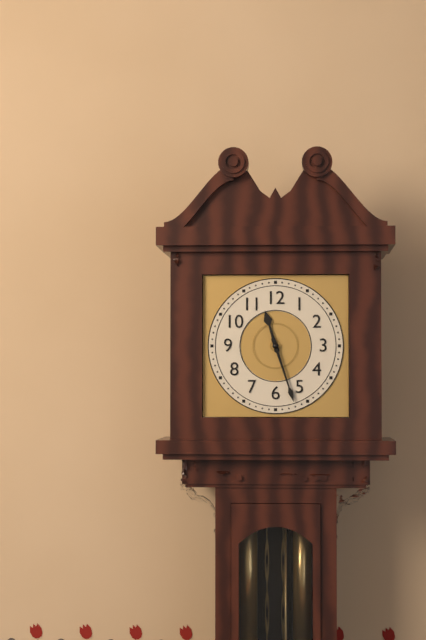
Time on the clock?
11:27
